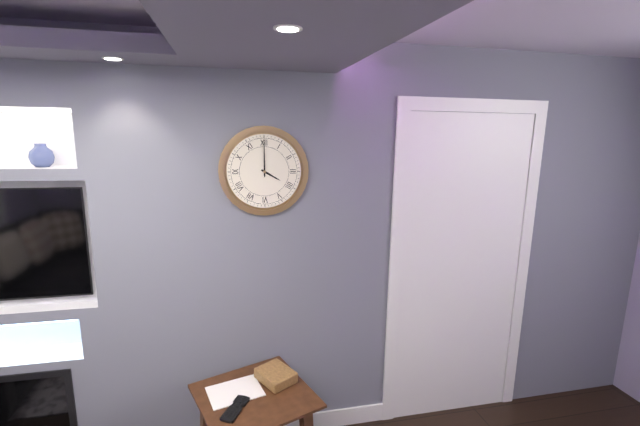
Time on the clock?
4:00
